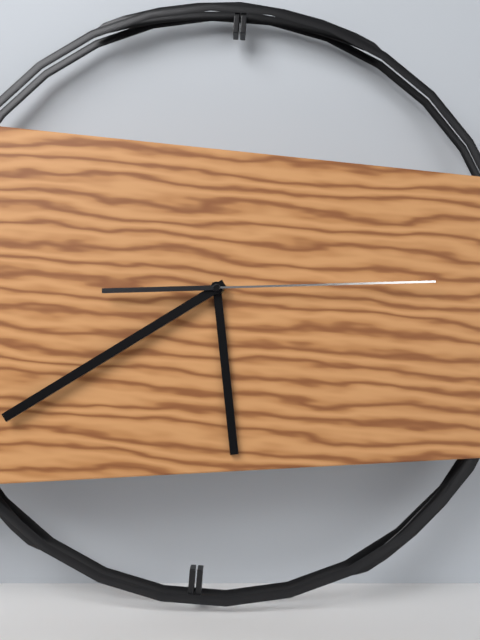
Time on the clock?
5:39:14
